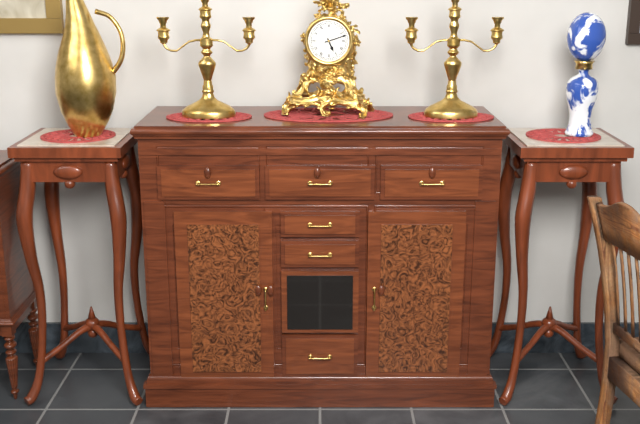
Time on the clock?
5:12
